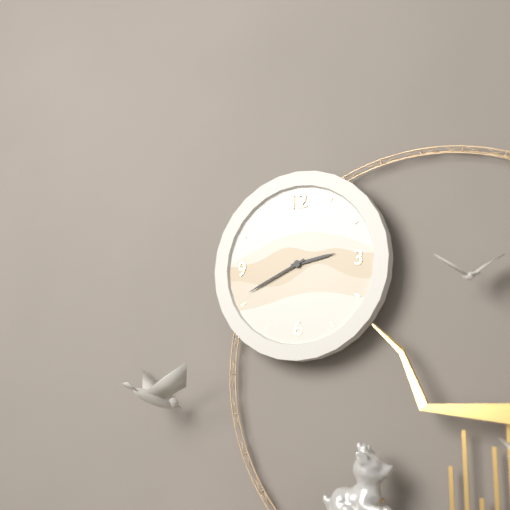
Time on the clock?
2:41
